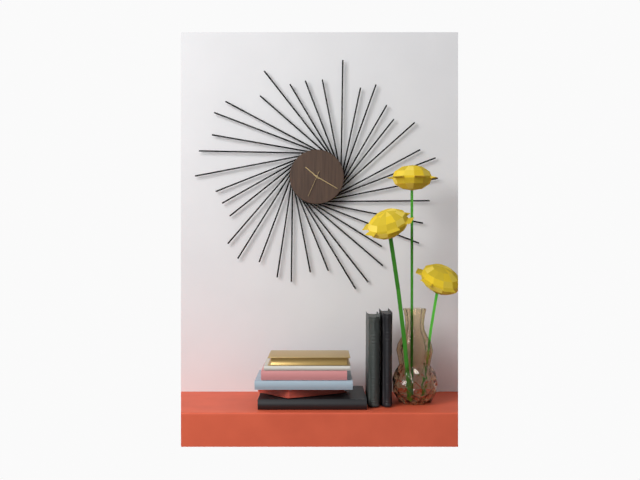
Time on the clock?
10:20
